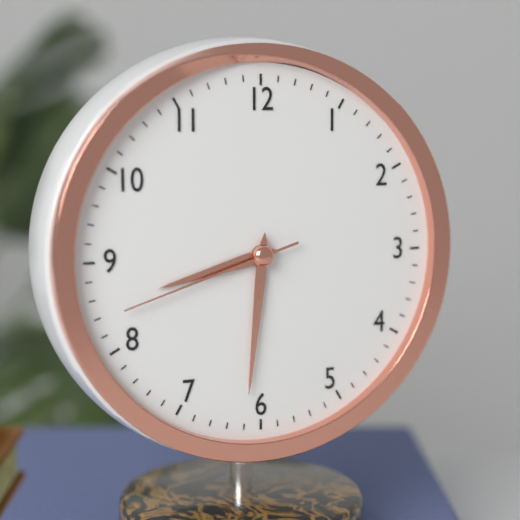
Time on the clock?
8:31:42
